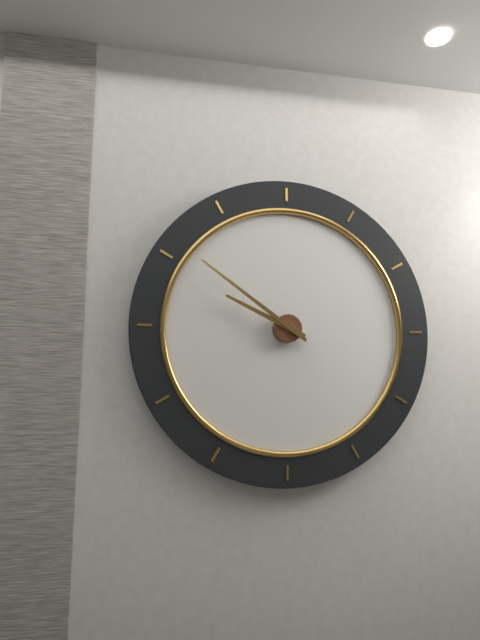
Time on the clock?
9:51
